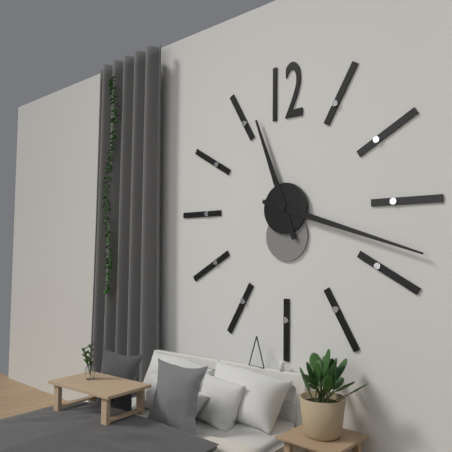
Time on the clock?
11:18
